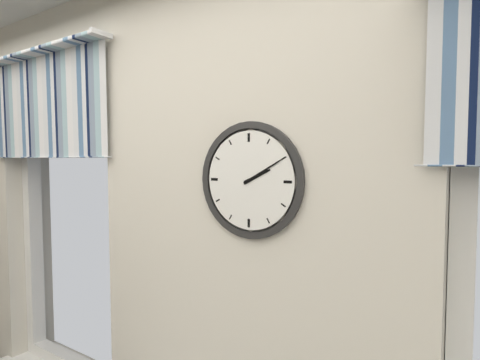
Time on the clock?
2:10
